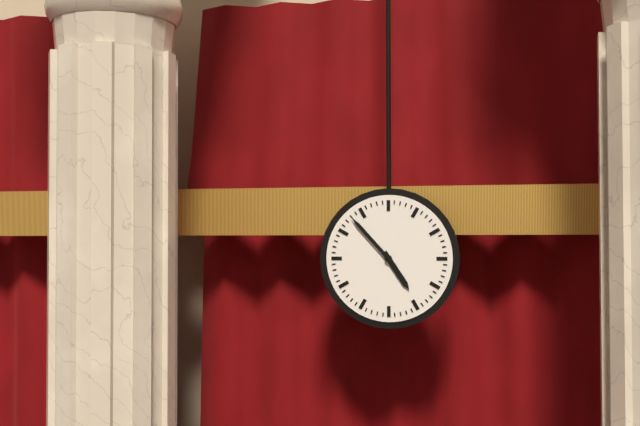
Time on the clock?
4:53
